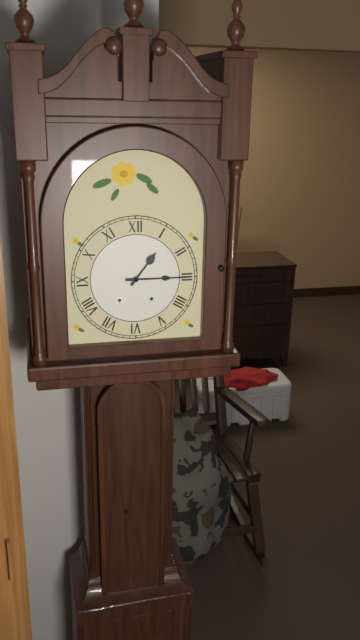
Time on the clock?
1:15
